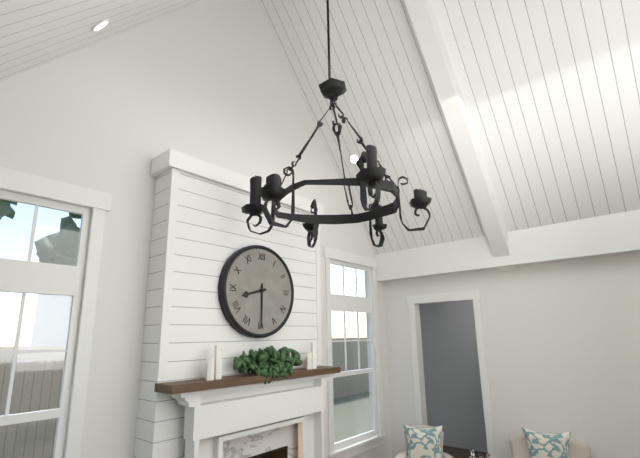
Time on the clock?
8:30
